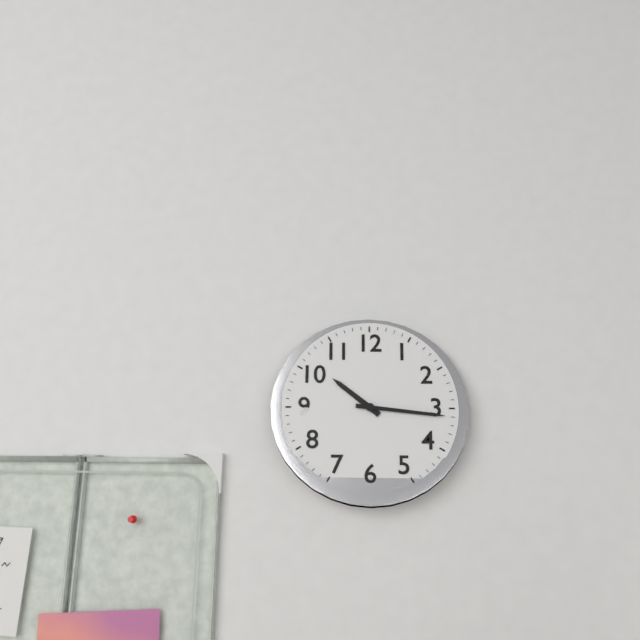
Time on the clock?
10:16
